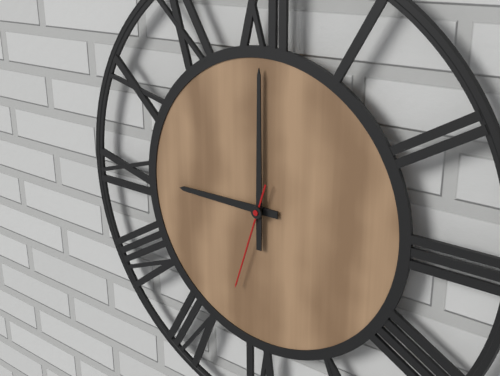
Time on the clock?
9:00:33
